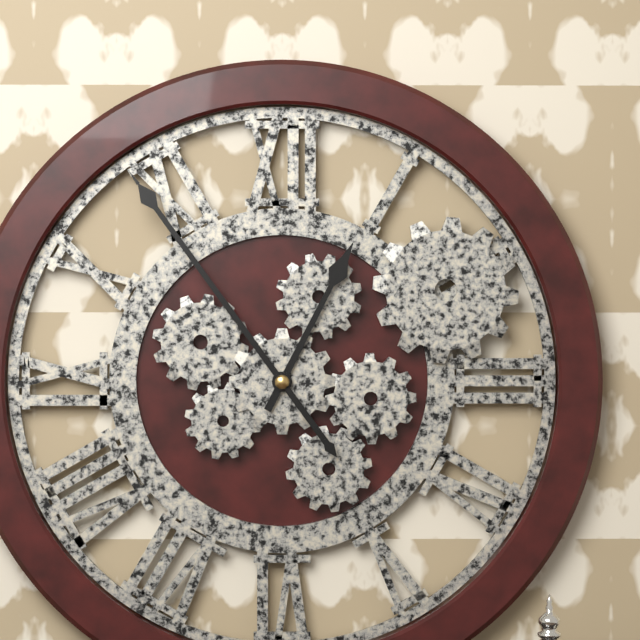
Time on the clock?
12:54
